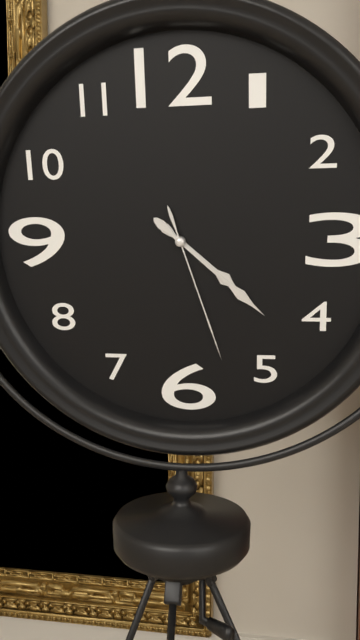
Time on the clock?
4:22:27
